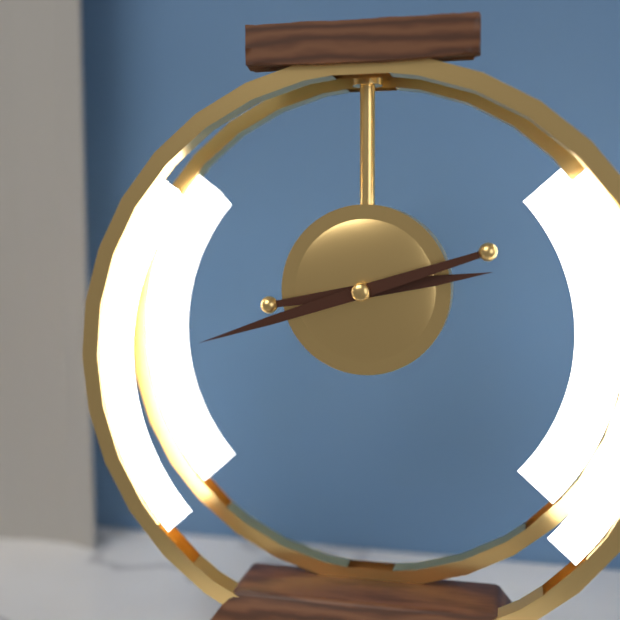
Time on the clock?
2:42
